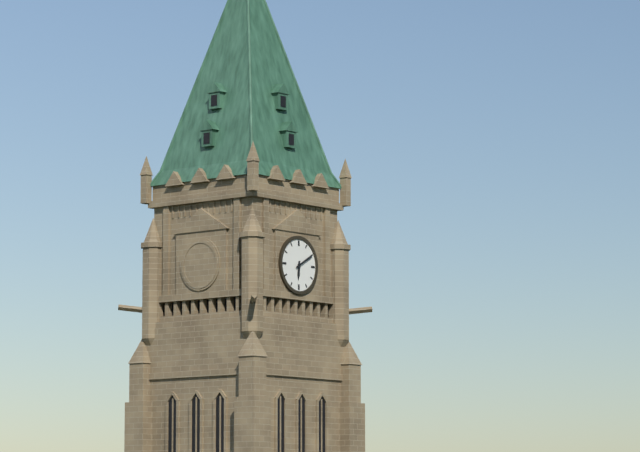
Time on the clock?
6:10
